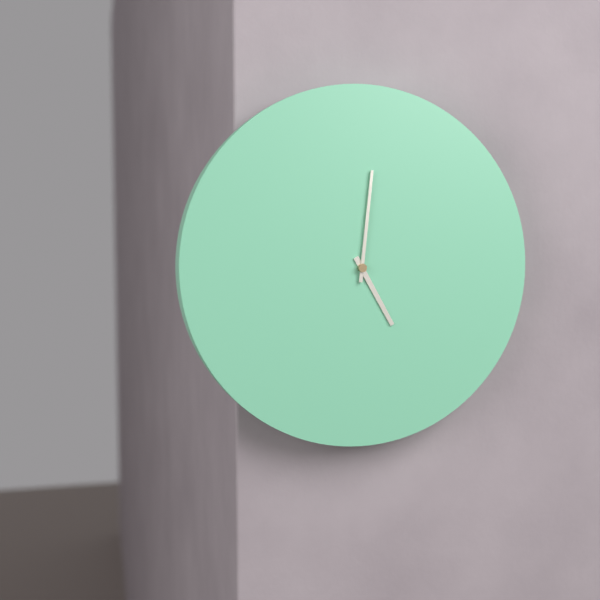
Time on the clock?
5:01
